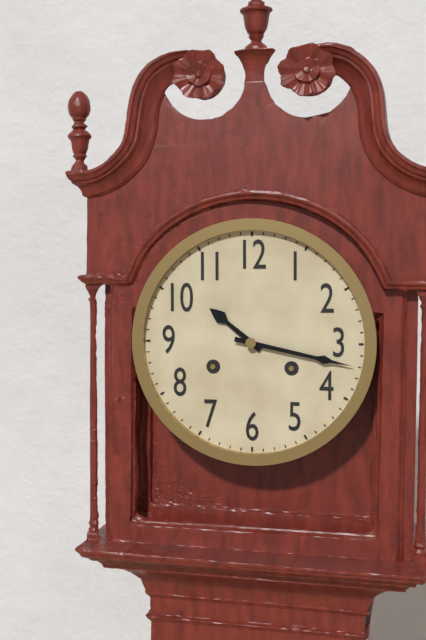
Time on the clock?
10:17
